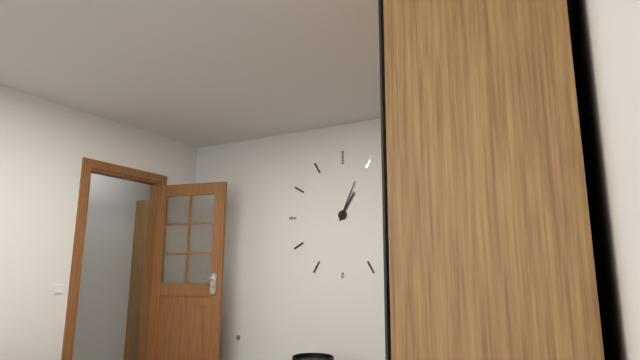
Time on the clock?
1:04
